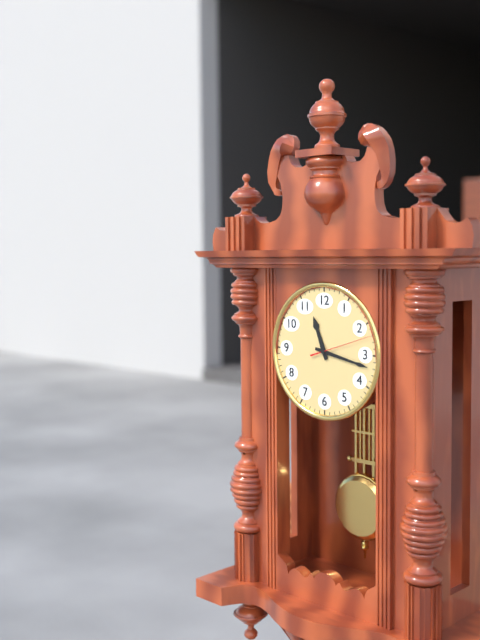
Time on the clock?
11:17:12
